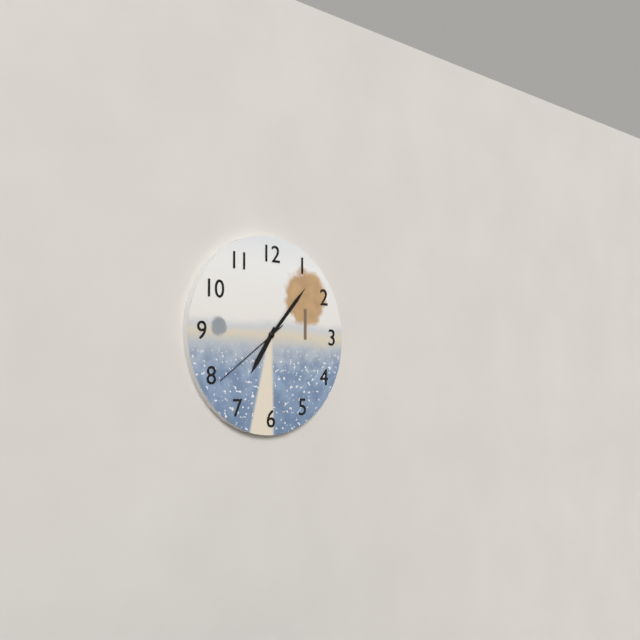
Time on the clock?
7:07:39
